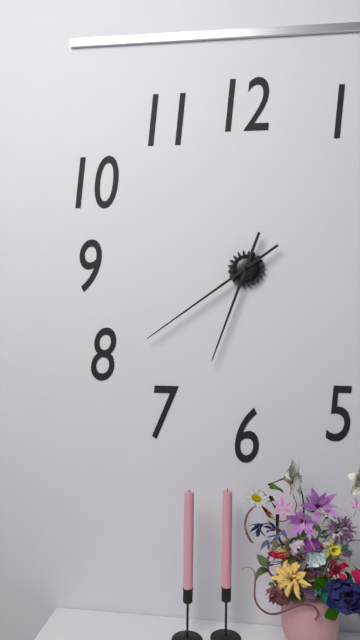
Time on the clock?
6:39
